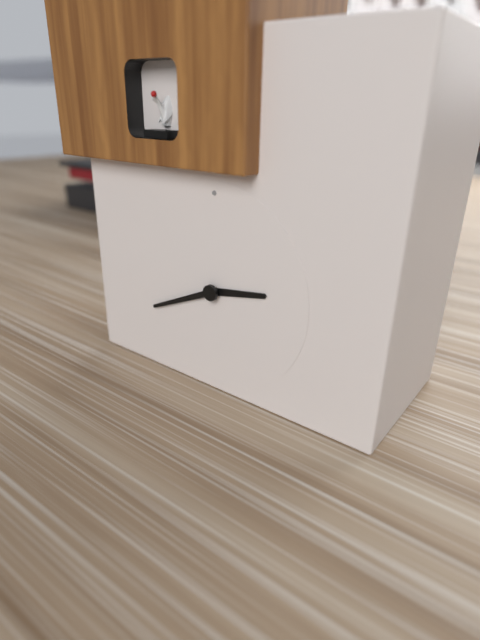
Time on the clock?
2:41
